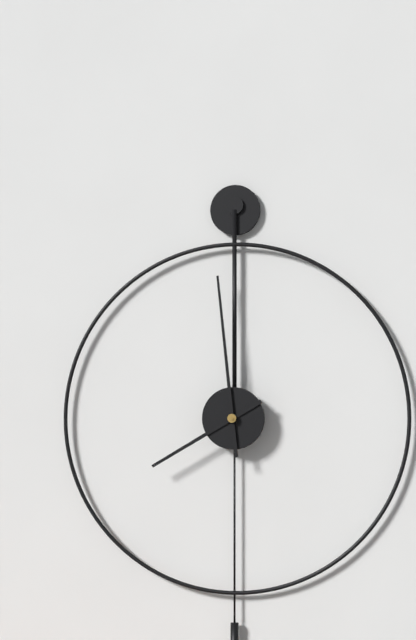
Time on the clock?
7:59
